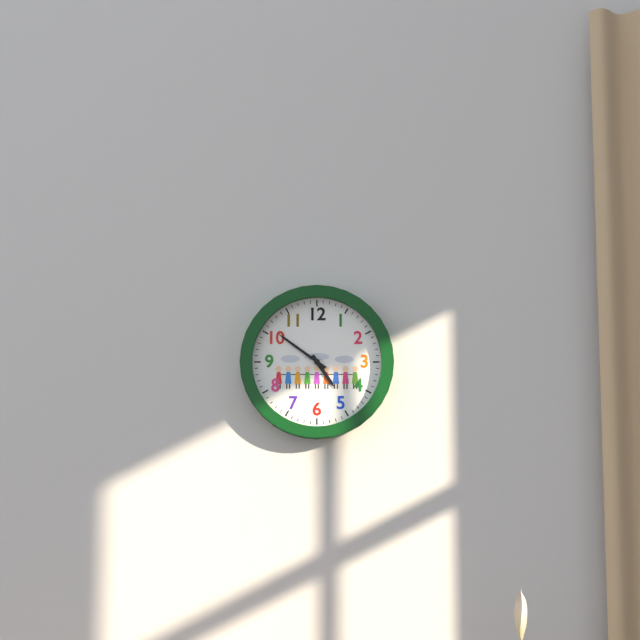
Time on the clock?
4:51
